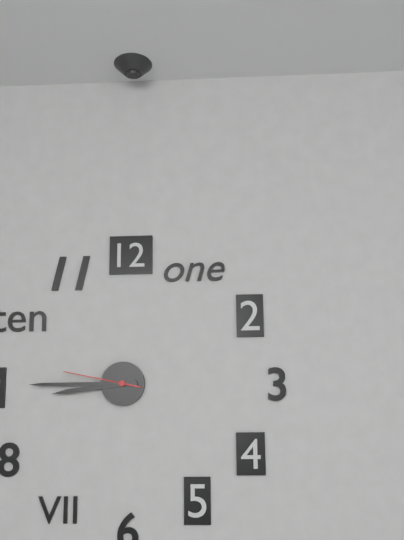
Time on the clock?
8:45:47
